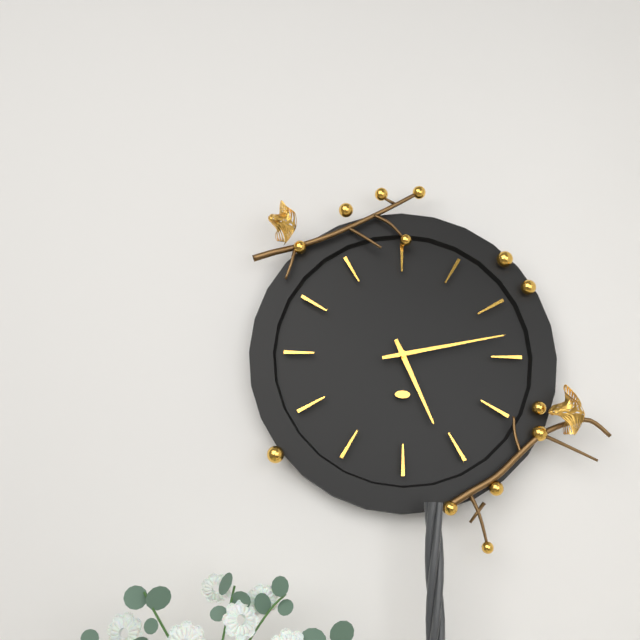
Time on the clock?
5:13
